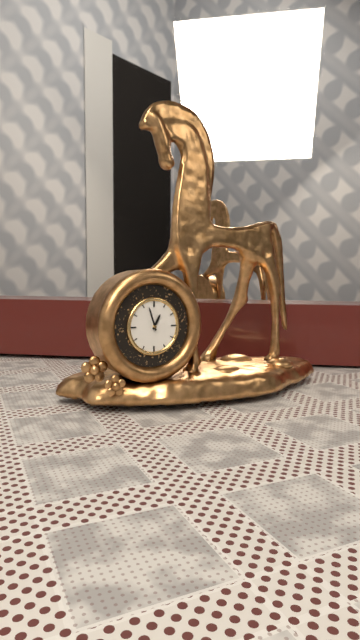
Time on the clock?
12:57
